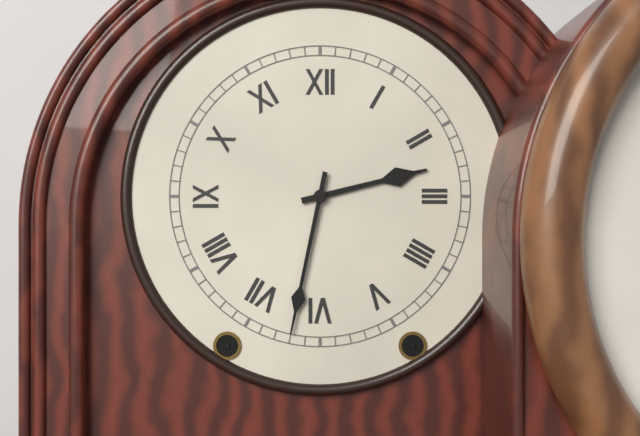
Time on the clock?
2:32
